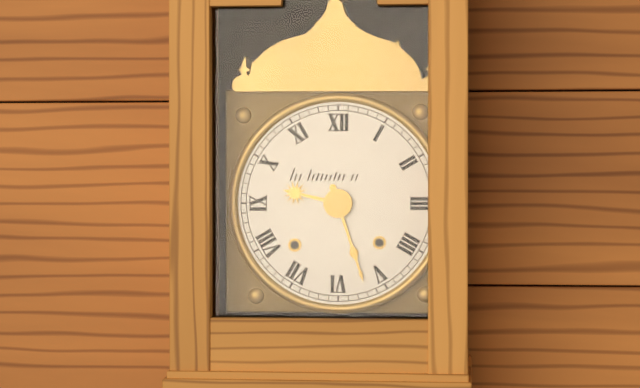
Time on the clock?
9:27
